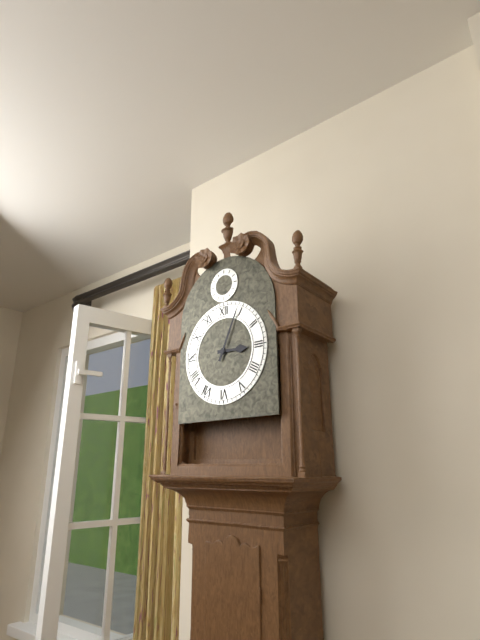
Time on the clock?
3:04
